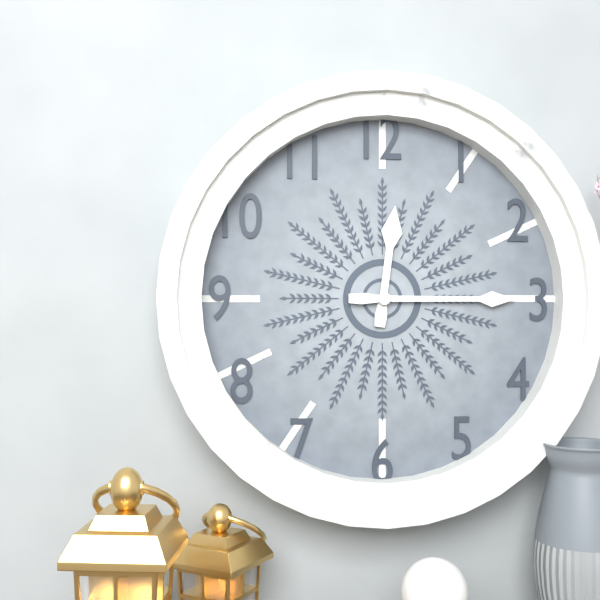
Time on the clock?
12:15
